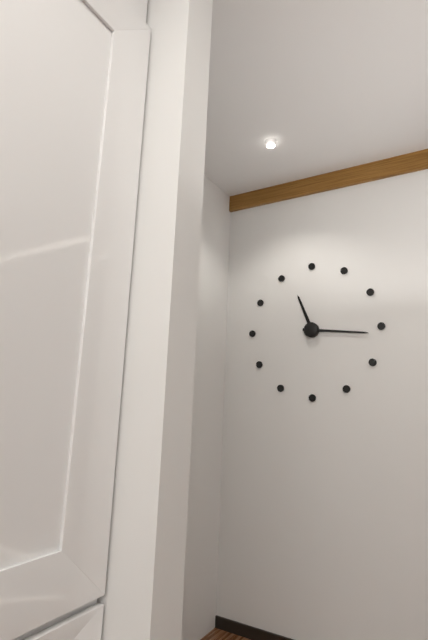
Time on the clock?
11:16
